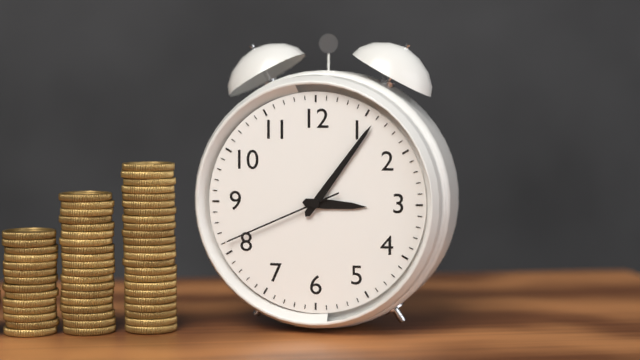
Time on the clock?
3:06:41
